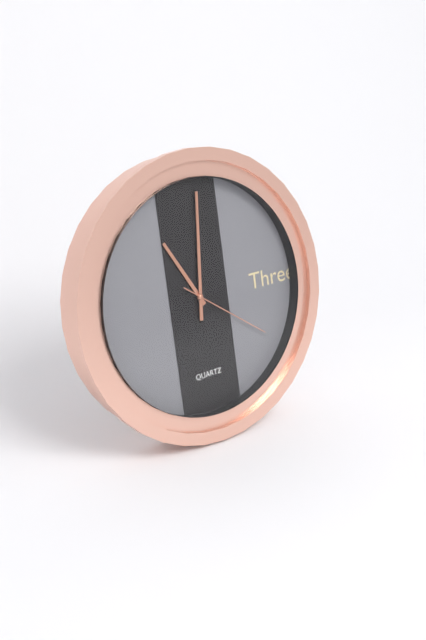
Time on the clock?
11:01:21
